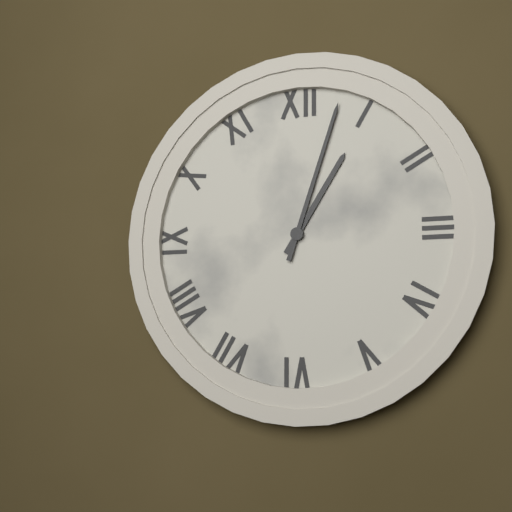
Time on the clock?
1:03
